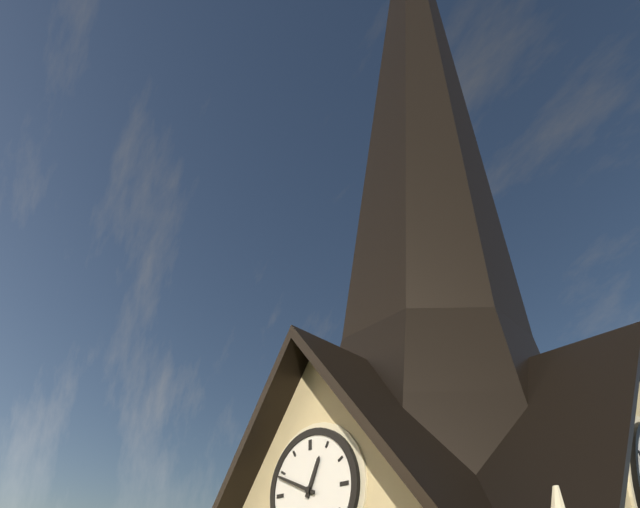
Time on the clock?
12:49
